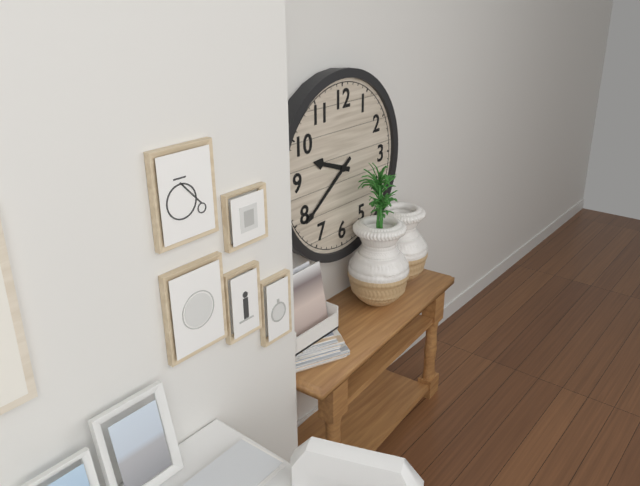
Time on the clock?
9:39
